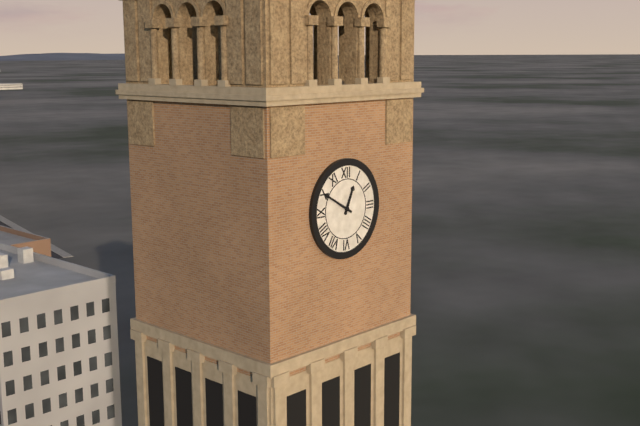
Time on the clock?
12:50
